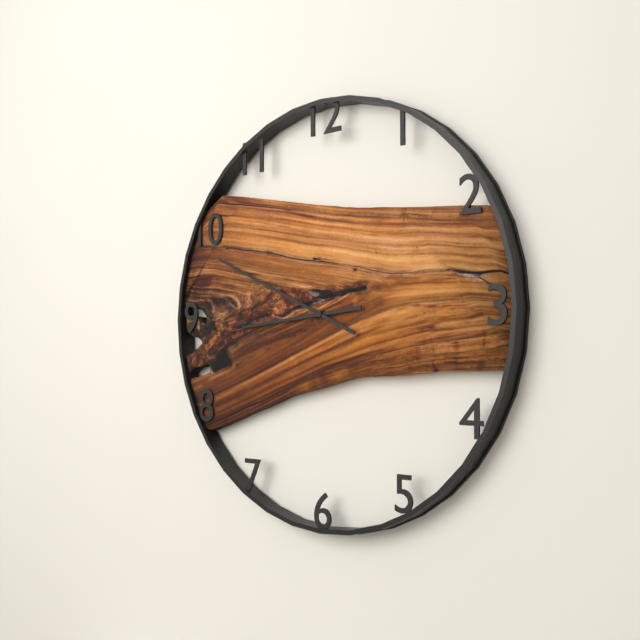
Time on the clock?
8:49
